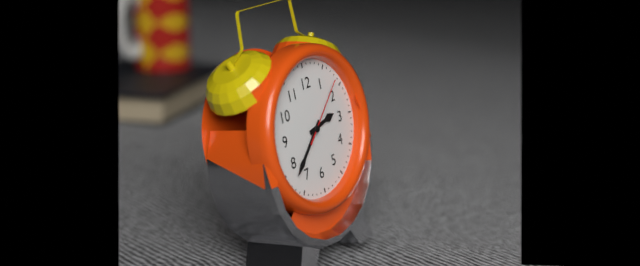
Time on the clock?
2:38:08
